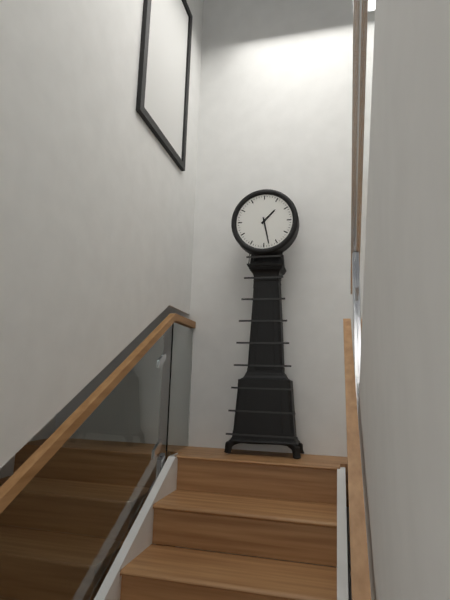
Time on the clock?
1:28
